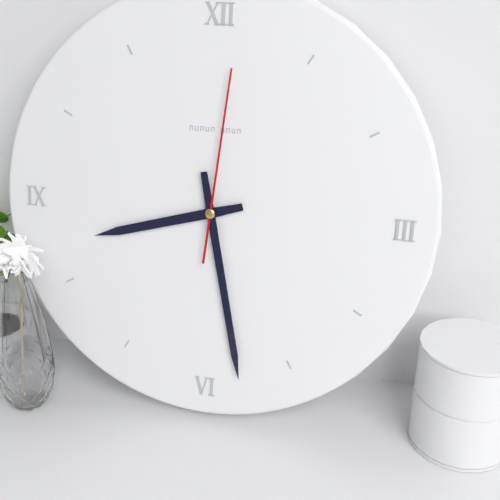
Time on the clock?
8:28:01
